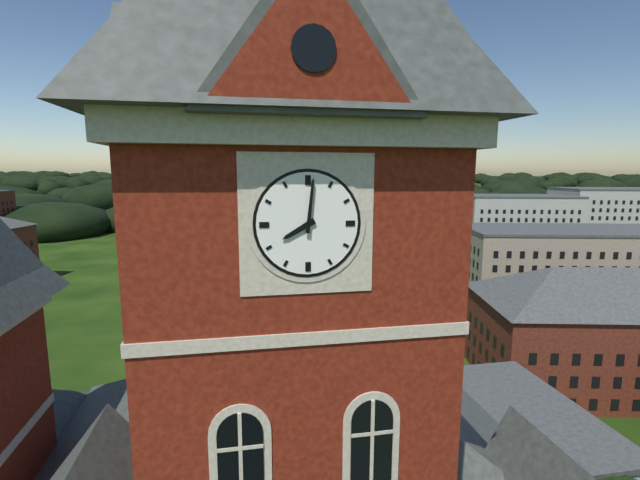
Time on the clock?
8:01
